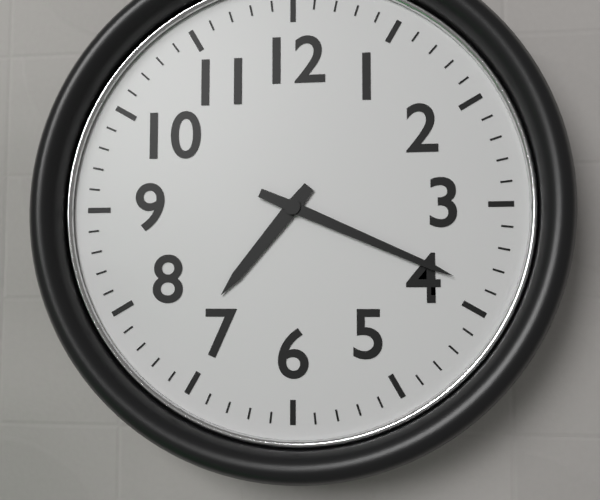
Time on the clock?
7:19
